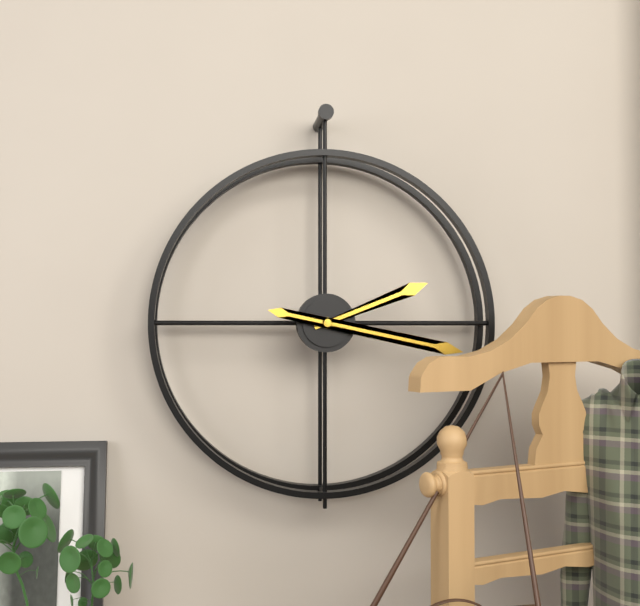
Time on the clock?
2:17
